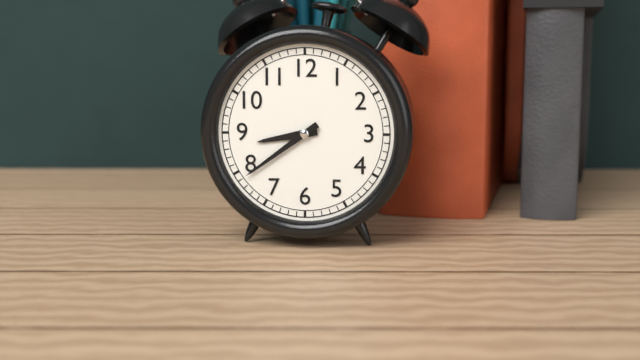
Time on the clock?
8:39
